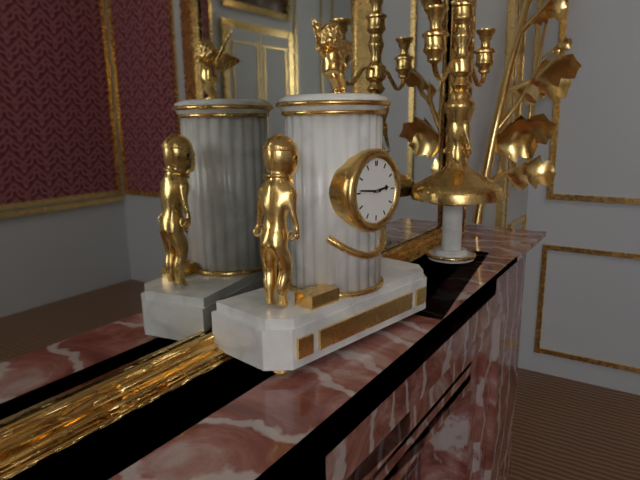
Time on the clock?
2:46
